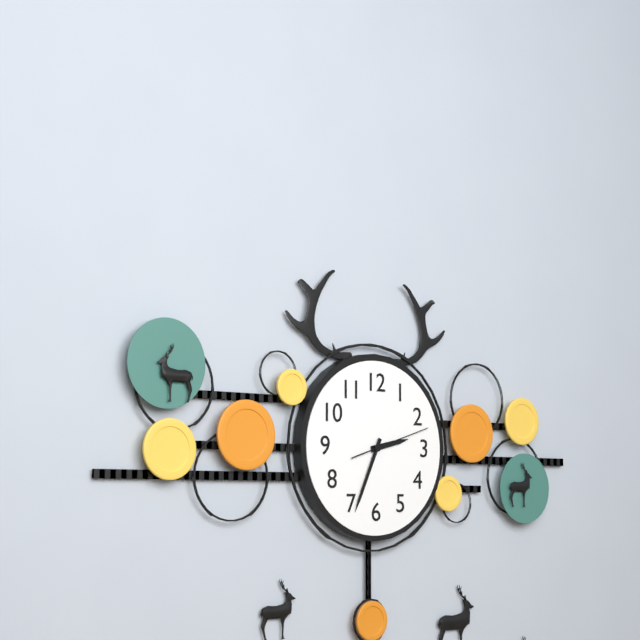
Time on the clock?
2:34:12
